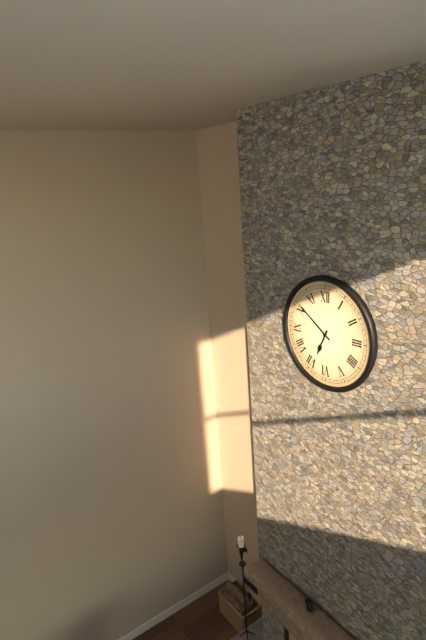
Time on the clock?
6:51
